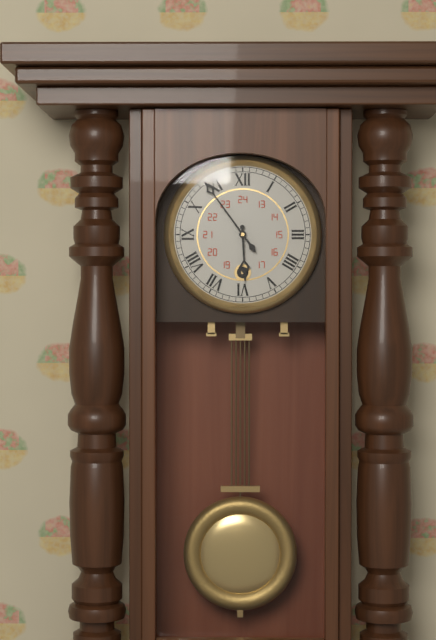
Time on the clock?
5:54
